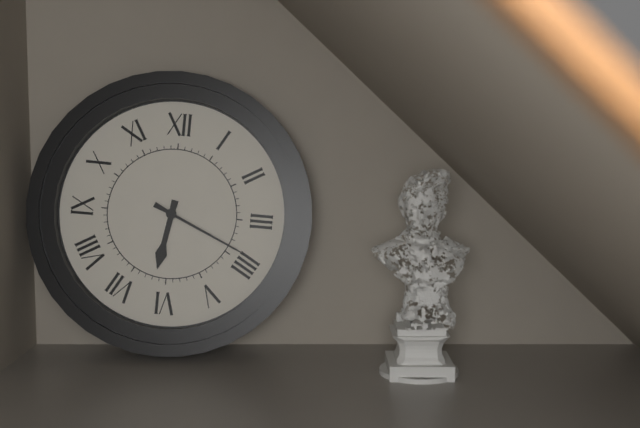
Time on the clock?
6:19
